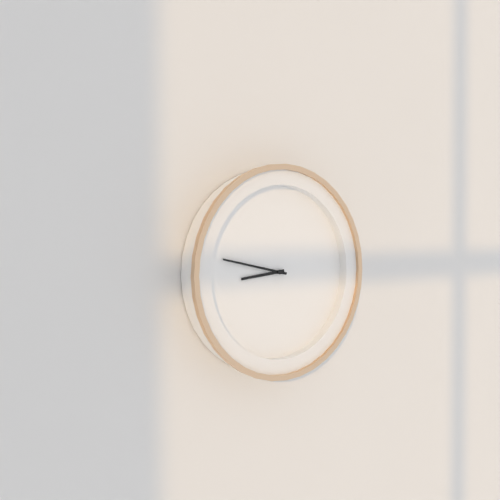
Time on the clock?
8:47
